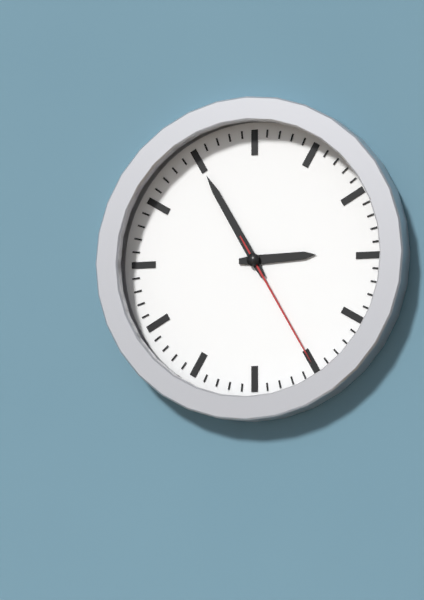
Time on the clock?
2:55:25
